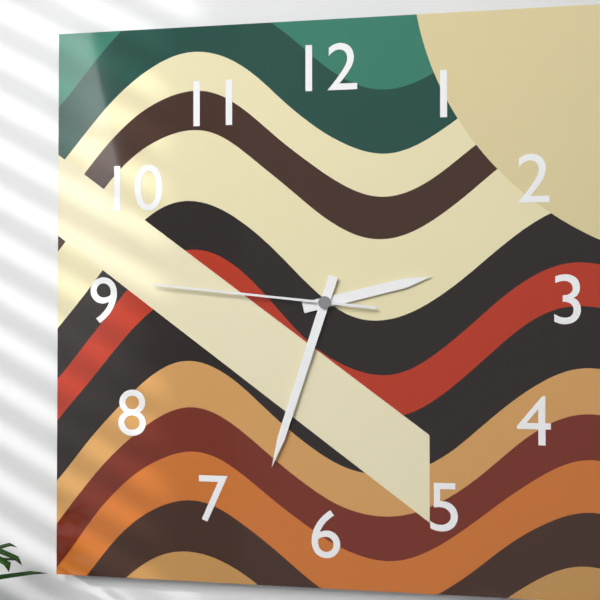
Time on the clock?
2:33:46
